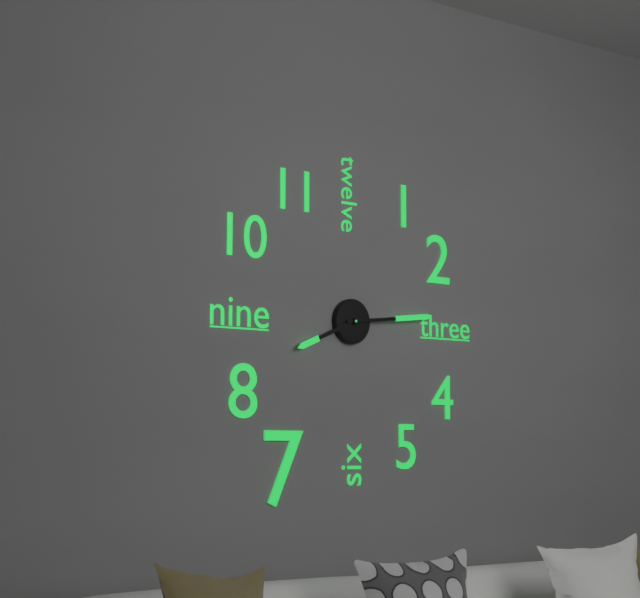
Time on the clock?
8:14
